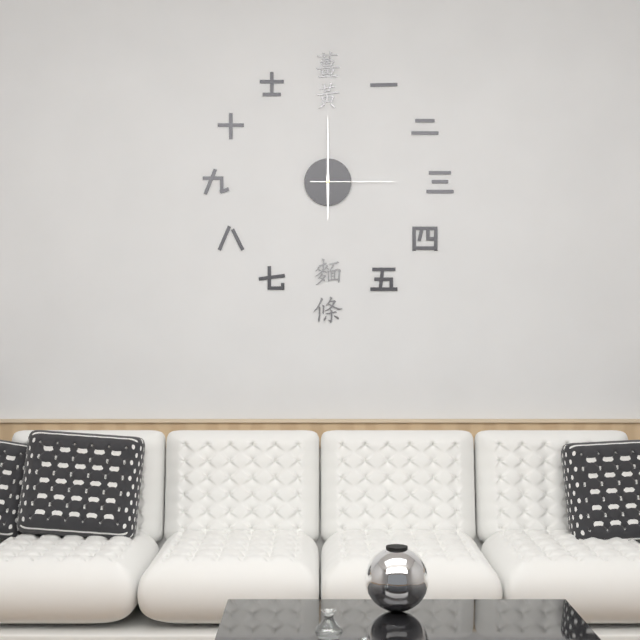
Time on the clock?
6:00:15
